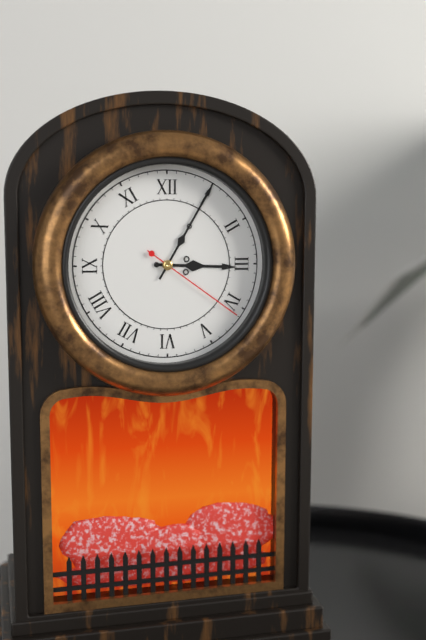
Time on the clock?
3:05:21
